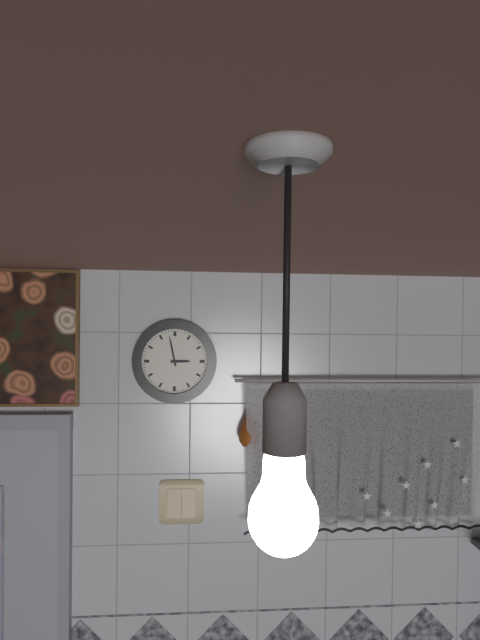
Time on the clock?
2:58
